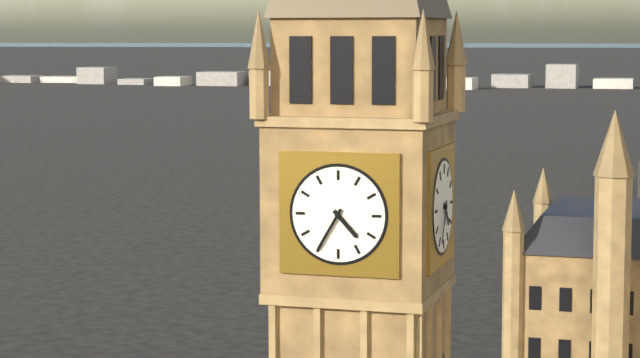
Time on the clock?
4:35
